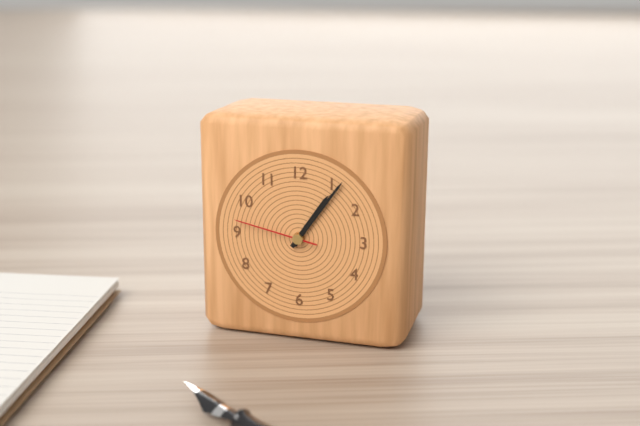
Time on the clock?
1:06:47
